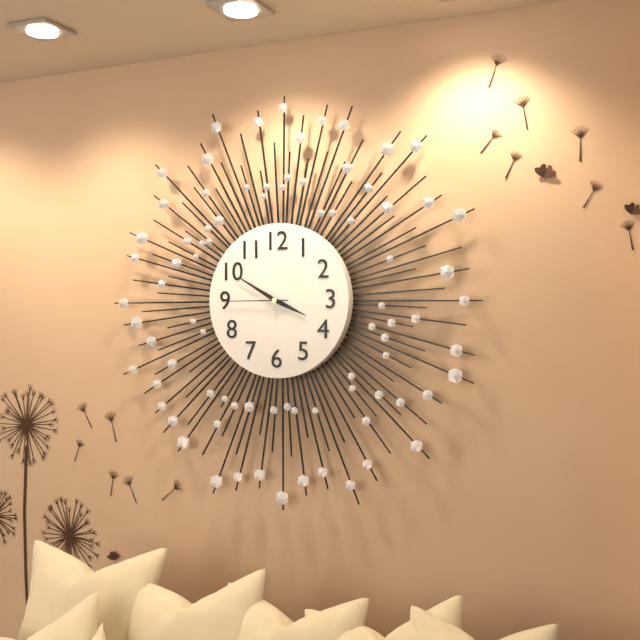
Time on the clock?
3:50:45
